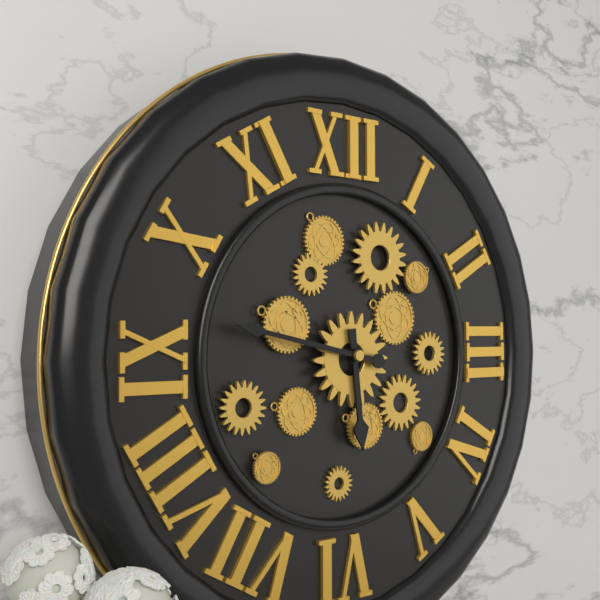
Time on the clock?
5:47
